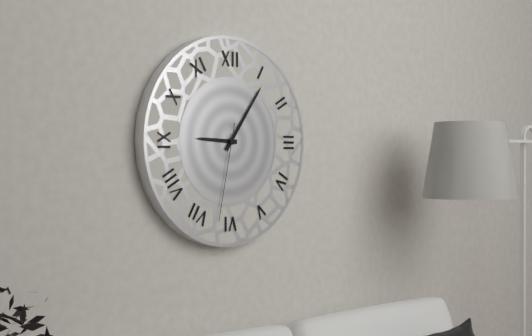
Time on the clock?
9:06:32
